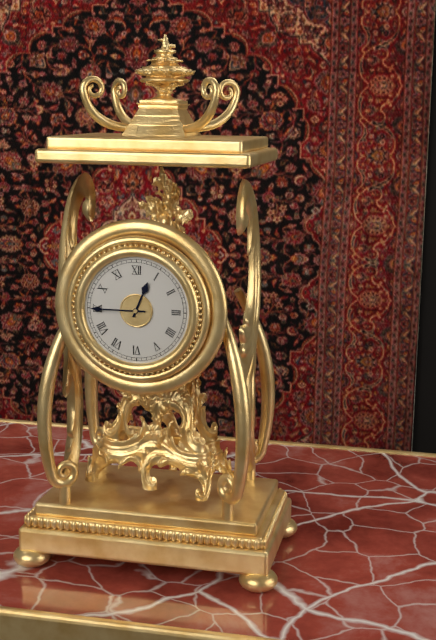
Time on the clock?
12:45
